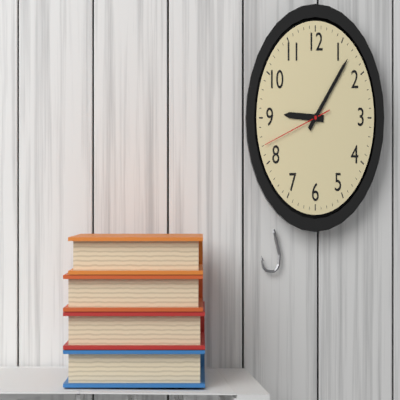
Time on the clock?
9:07:42
